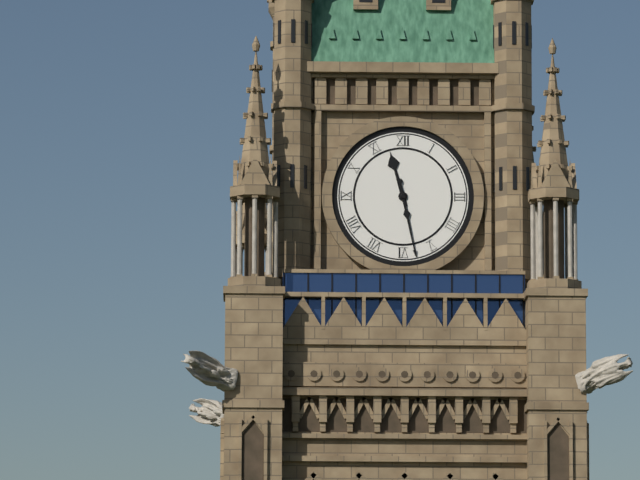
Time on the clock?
11:28
